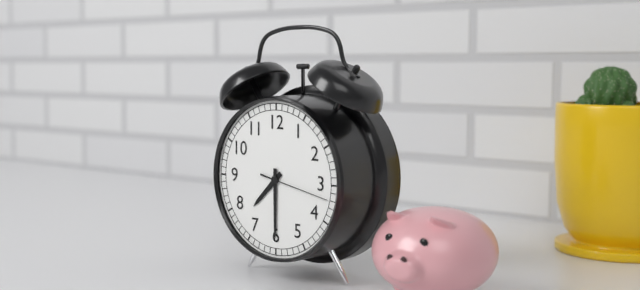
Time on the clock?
7:30:17
